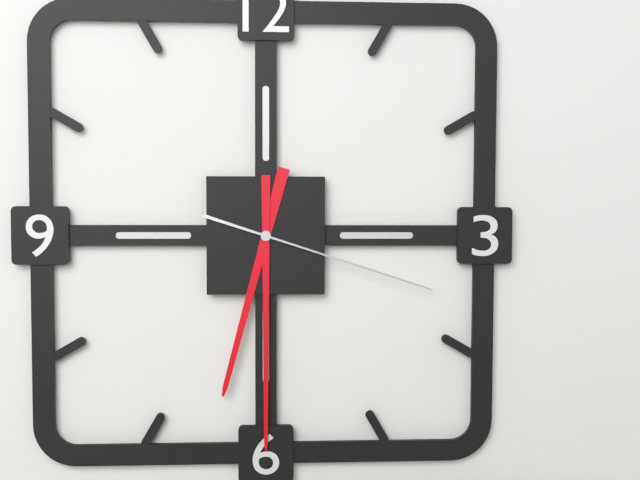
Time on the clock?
6:30:18
